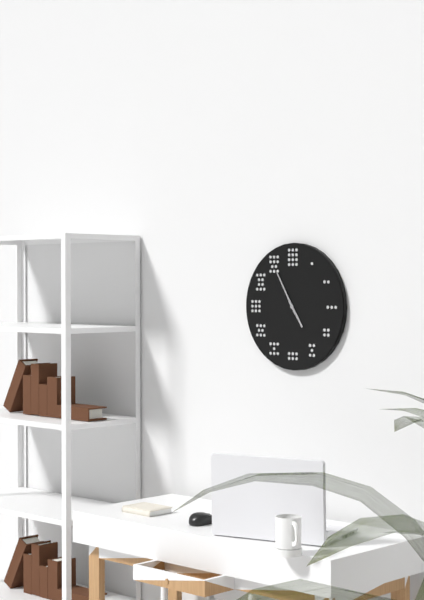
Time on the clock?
4:55
